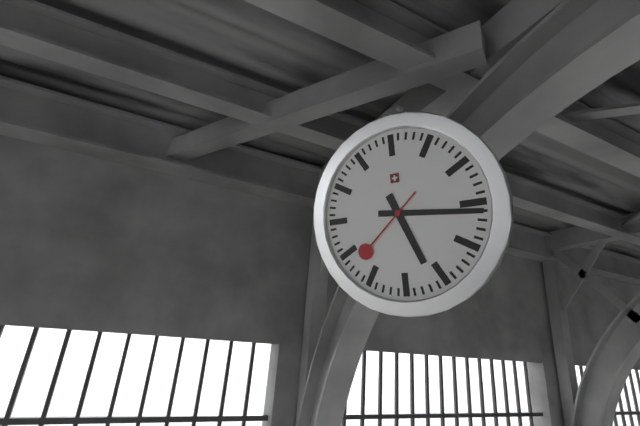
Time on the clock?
5:16:38
